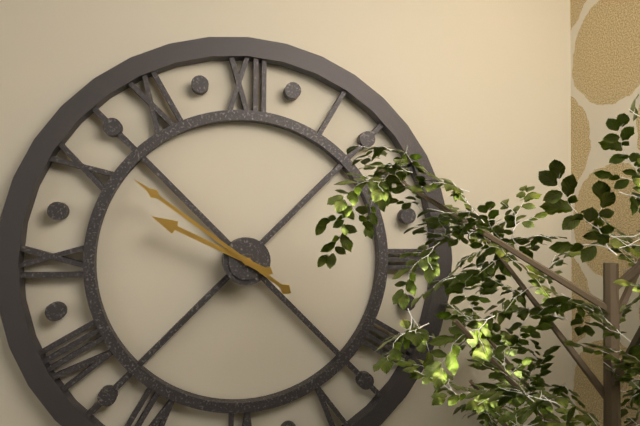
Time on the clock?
9:51
